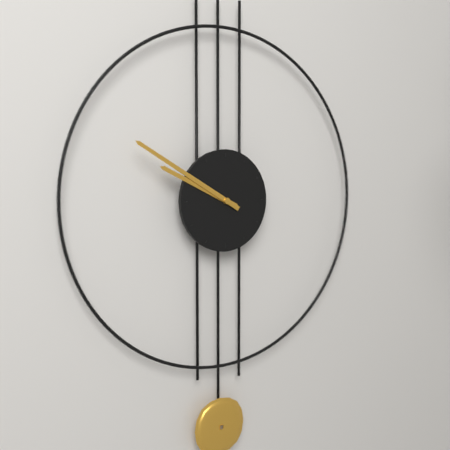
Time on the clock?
9:50
